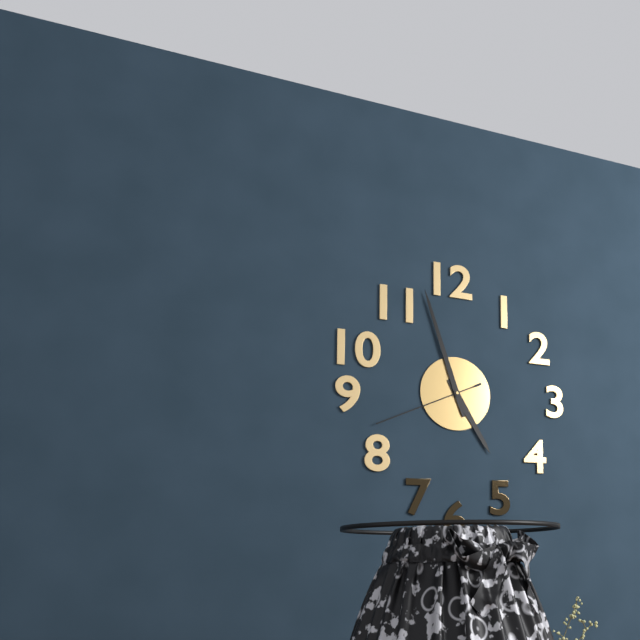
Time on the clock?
4:57:41
